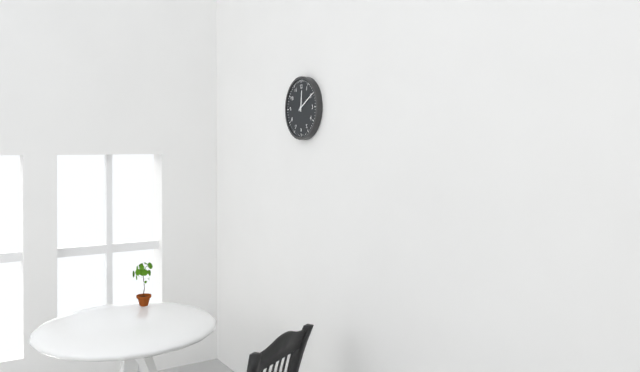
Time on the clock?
12:10
